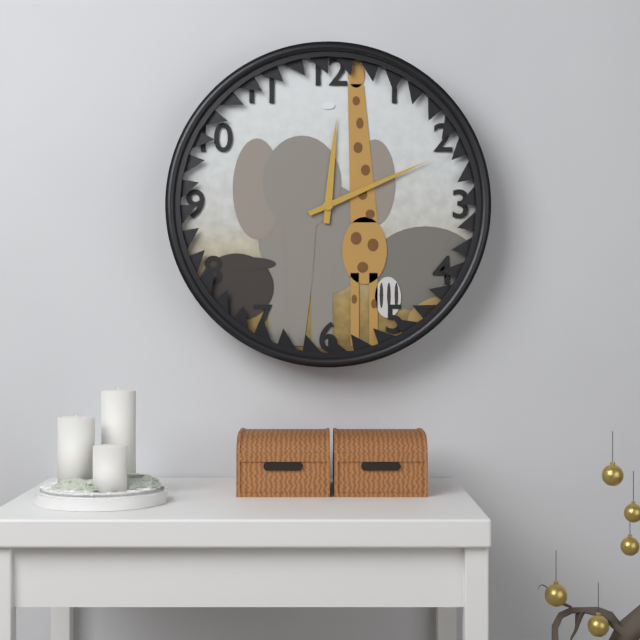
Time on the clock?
12:11
